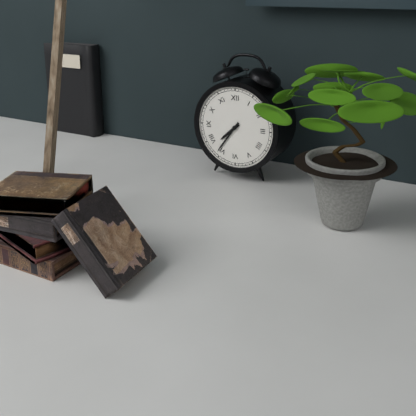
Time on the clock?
7:36
